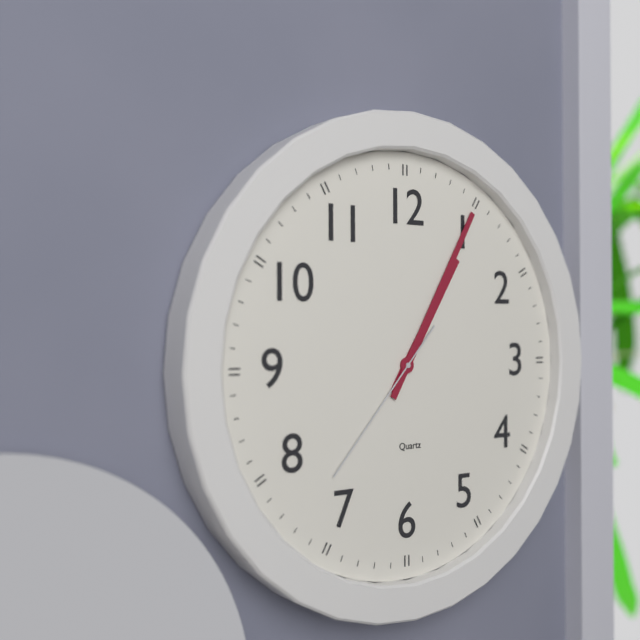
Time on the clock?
1:05:37
